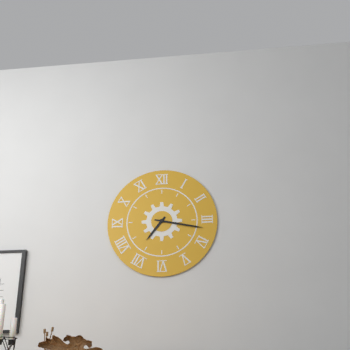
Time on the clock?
7:17
